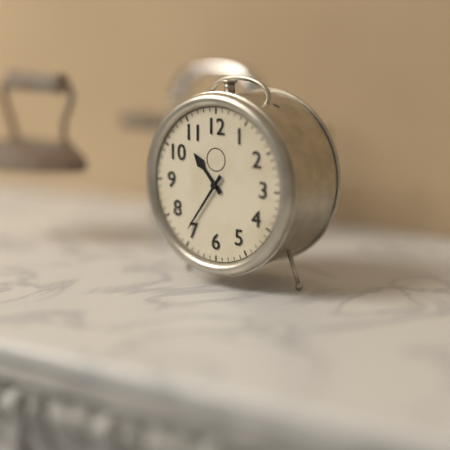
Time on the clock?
10:36
